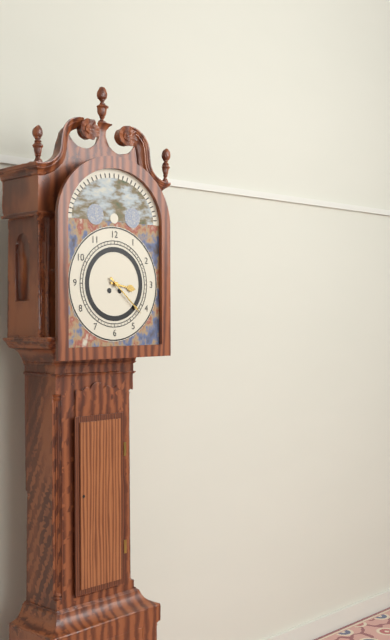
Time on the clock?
3:22
